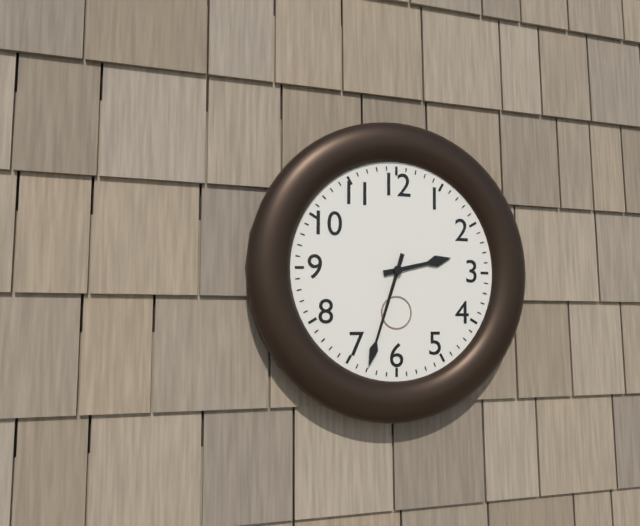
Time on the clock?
2:33
